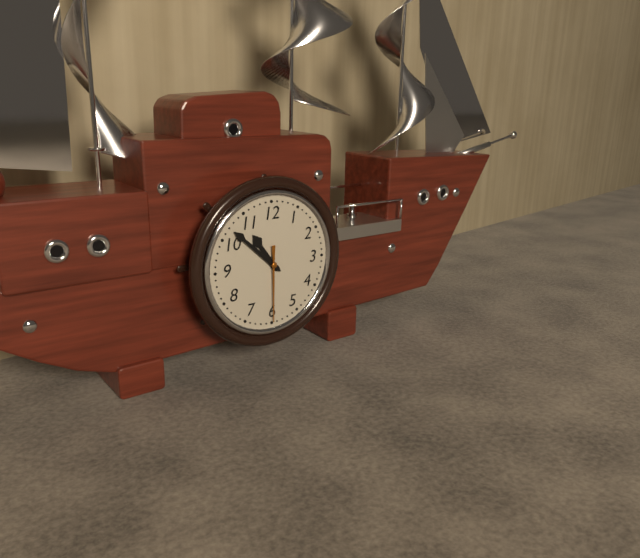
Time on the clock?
10:52:30
